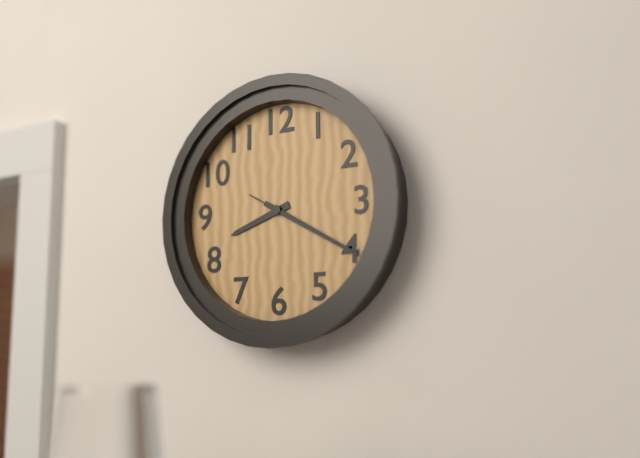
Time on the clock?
8:20:20
